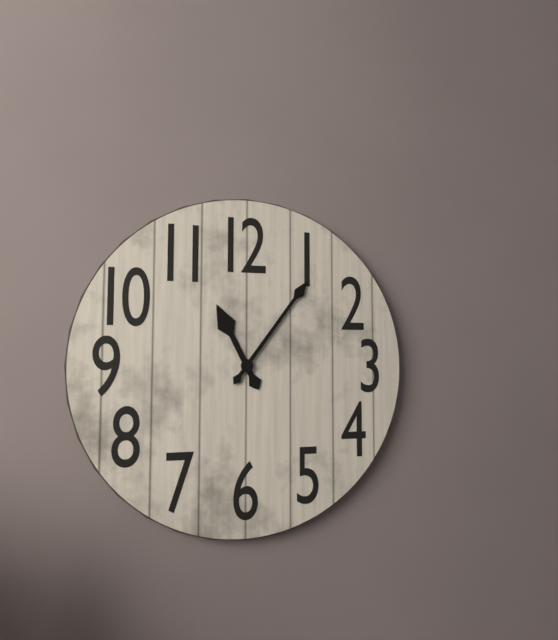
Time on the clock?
11:06
